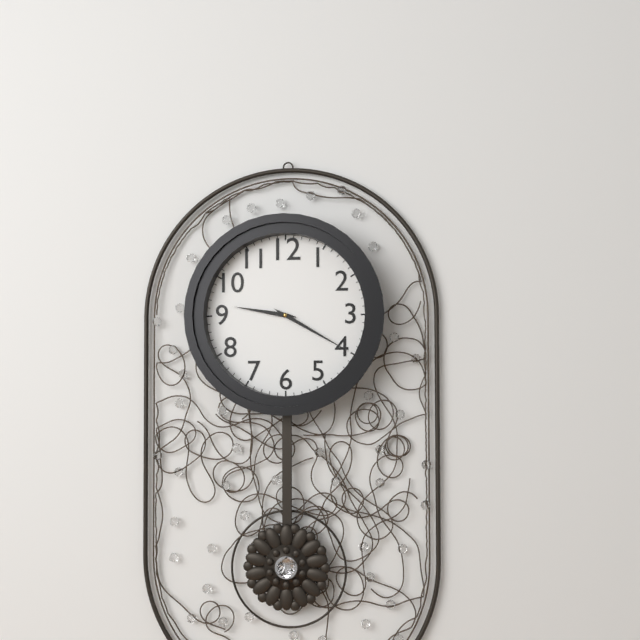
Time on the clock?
9:20
